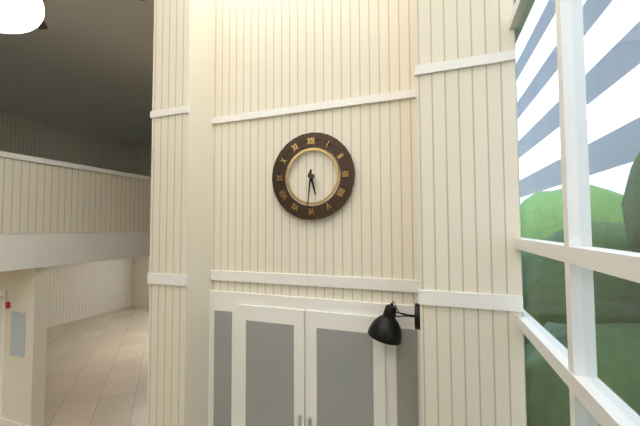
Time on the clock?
5:31
